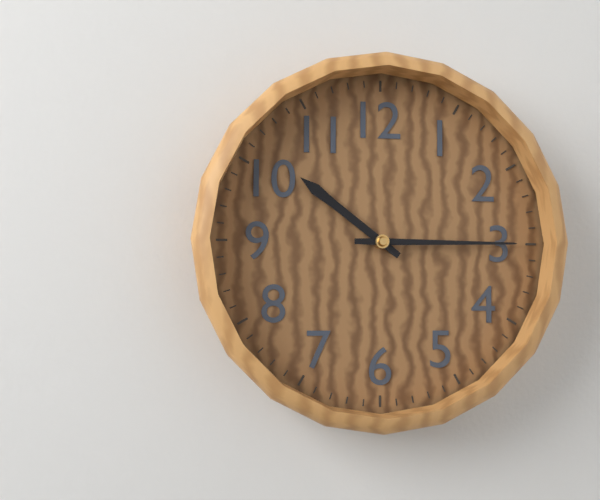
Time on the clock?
10:15
